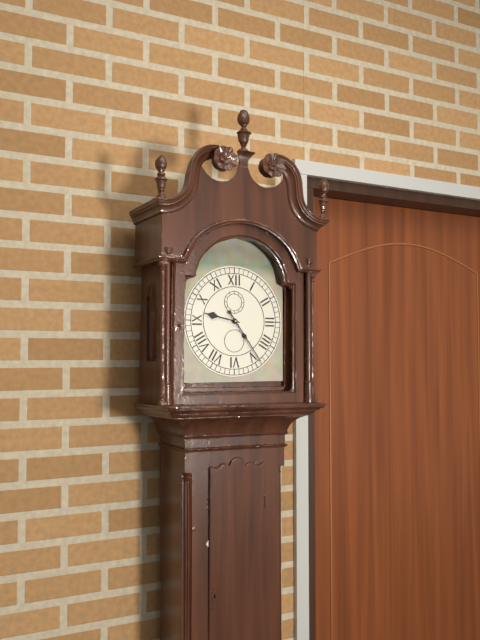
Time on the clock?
9:24
